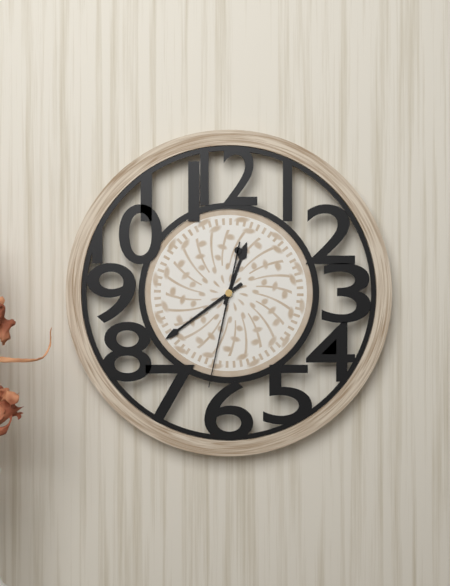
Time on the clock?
12:39:32
